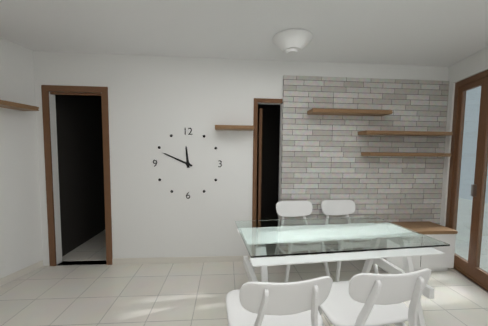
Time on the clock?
11:49
